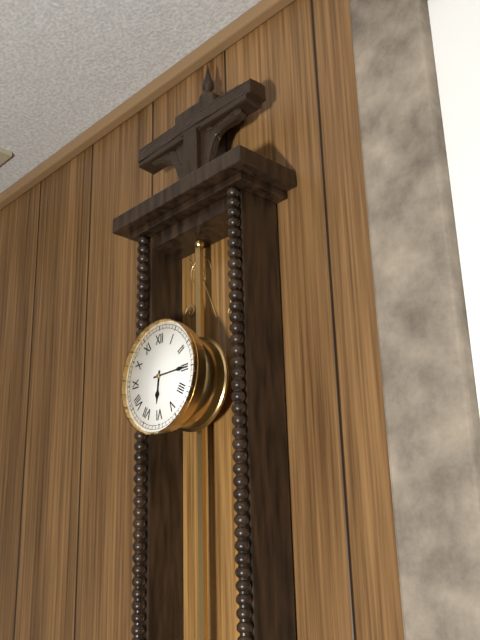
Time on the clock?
6:15
